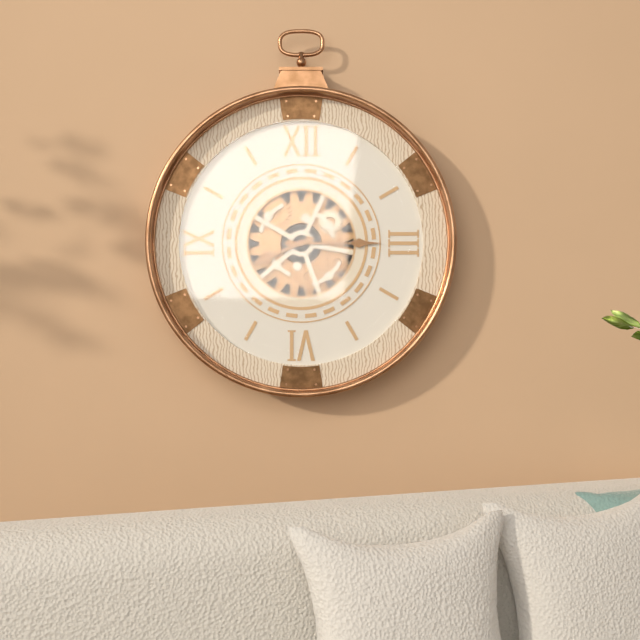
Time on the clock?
8:15
